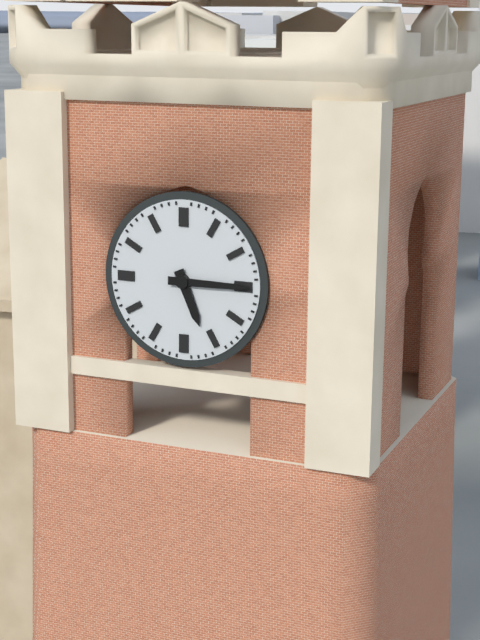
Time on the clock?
5:15
